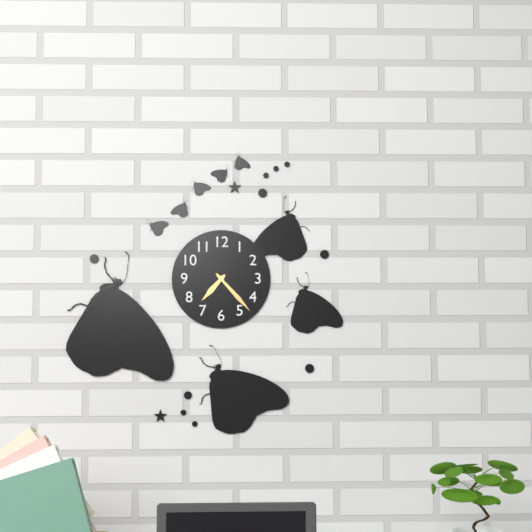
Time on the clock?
7:23
